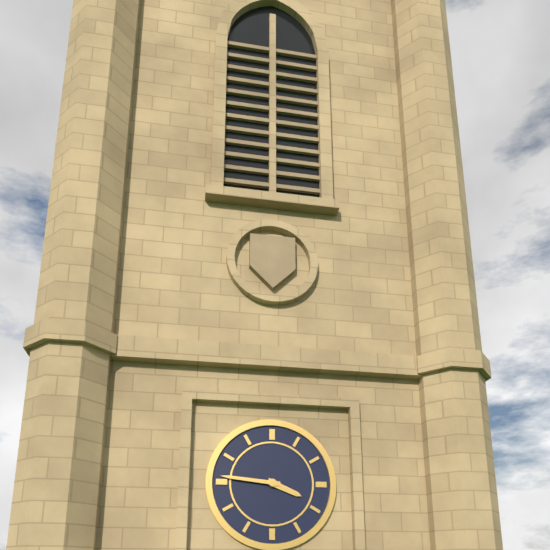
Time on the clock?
3:46
